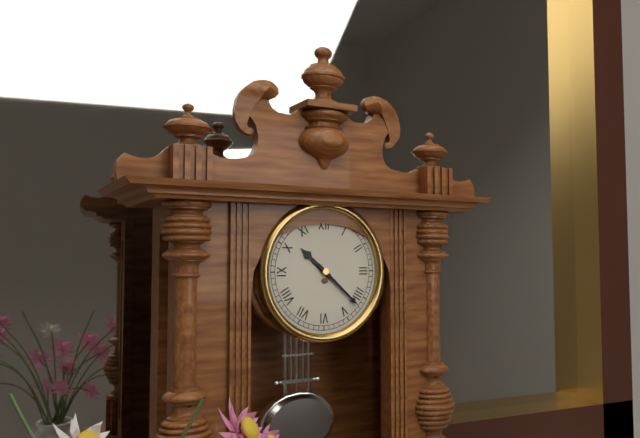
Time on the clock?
10:22
